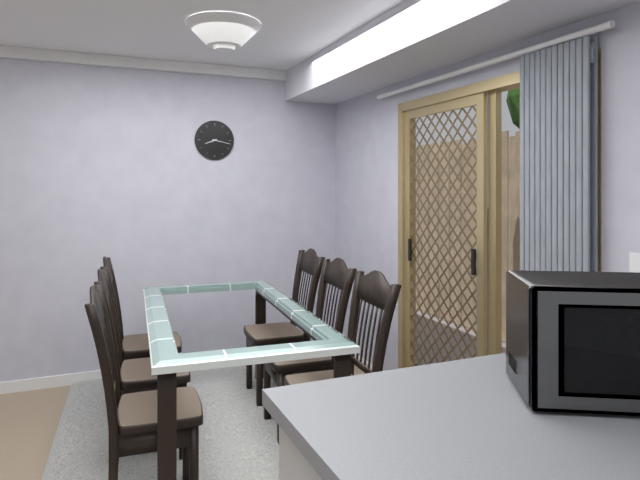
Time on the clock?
8:17
